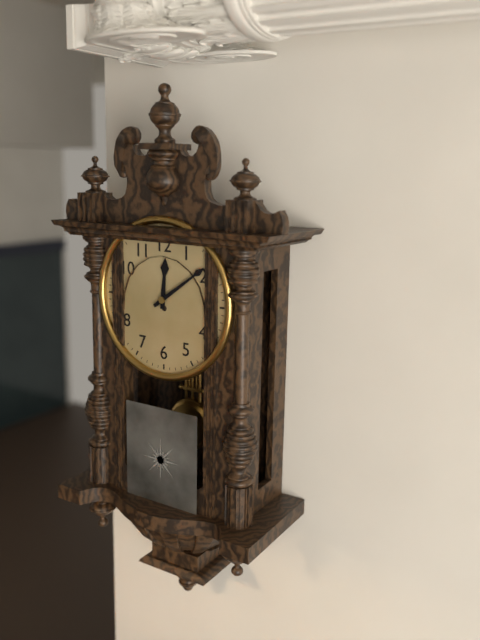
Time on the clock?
12:09
